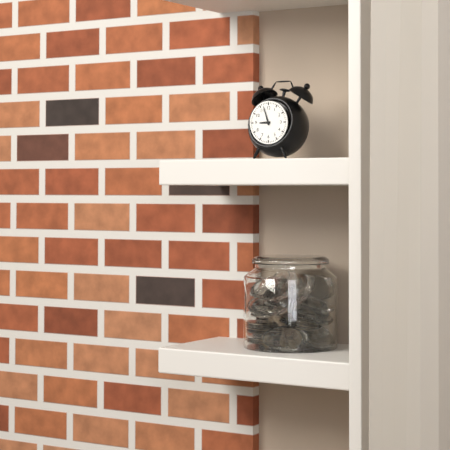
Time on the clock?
8:57
